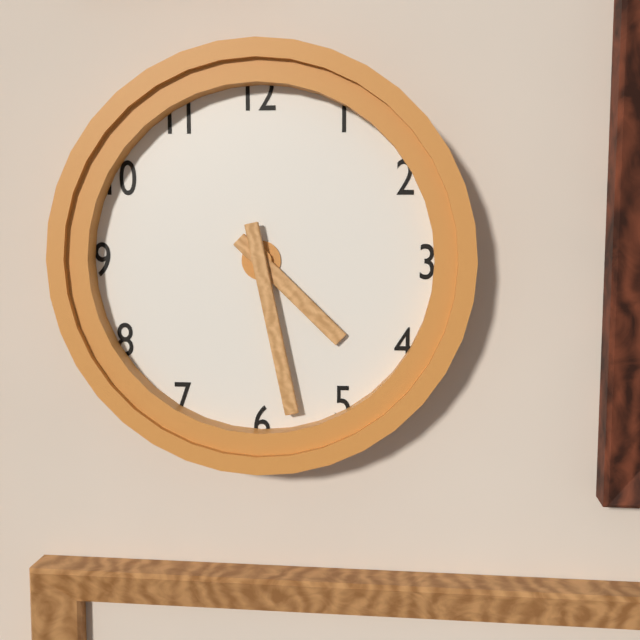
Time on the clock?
4:28
